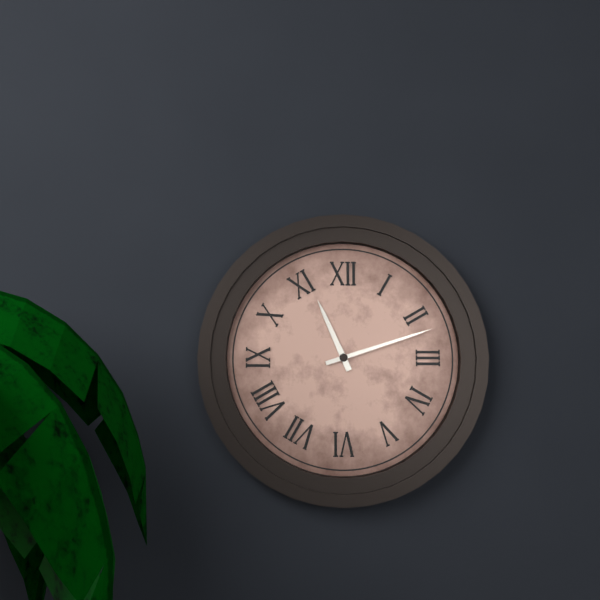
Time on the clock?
11:12
